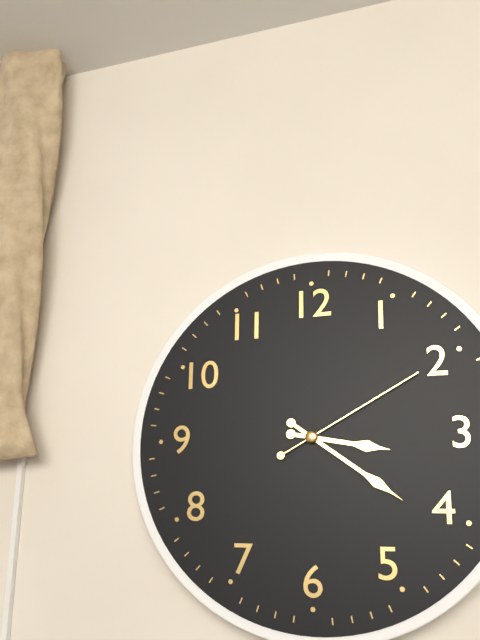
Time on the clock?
3:21:10
